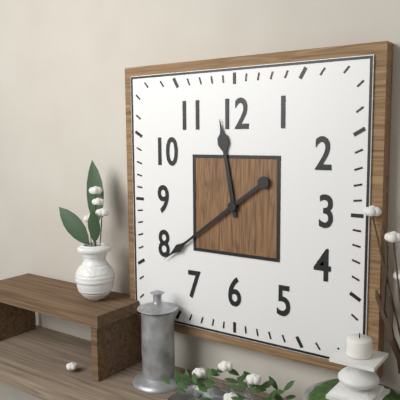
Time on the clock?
11:39
